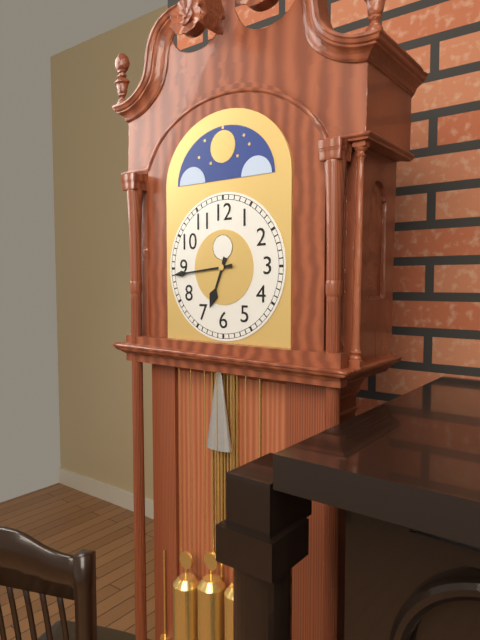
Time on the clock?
6:44
